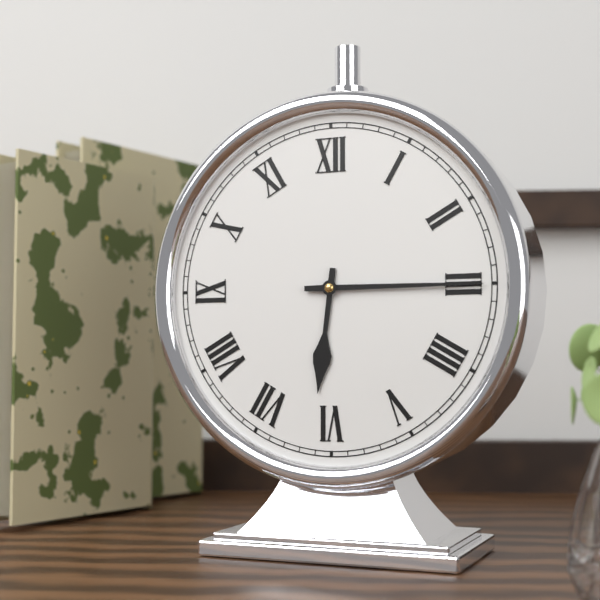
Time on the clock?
6:15
